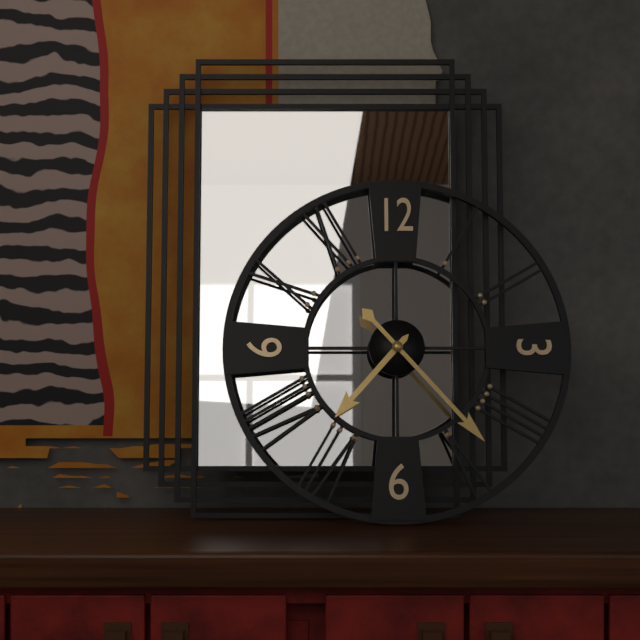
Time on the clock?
7:23
